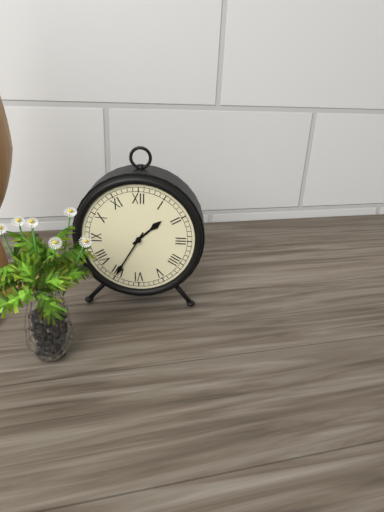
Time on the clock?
1:35
